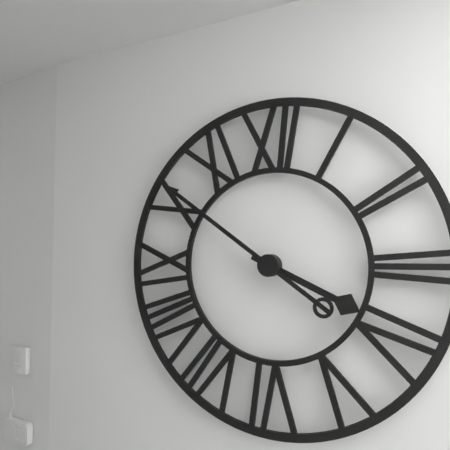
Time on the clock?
3:51
